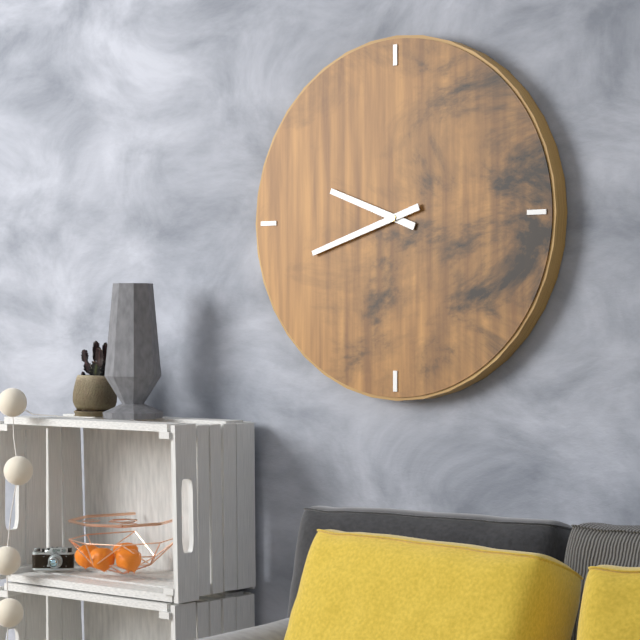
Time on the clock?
9:42
